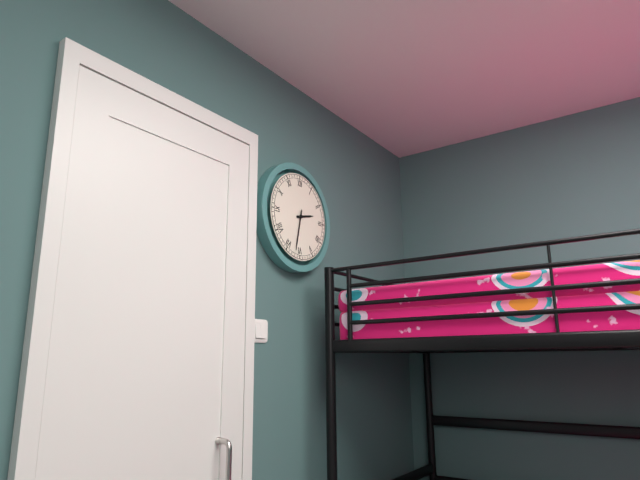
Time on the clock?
2:32
